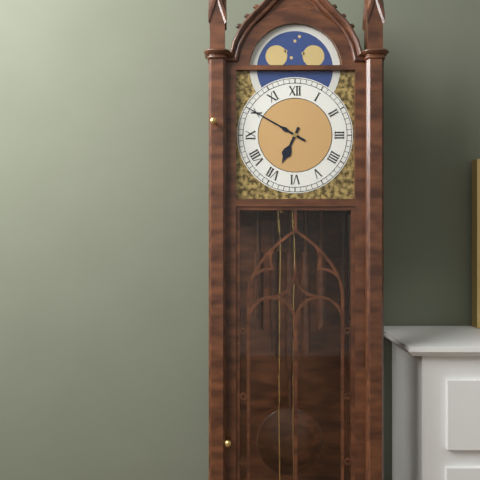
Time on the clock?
6:50
